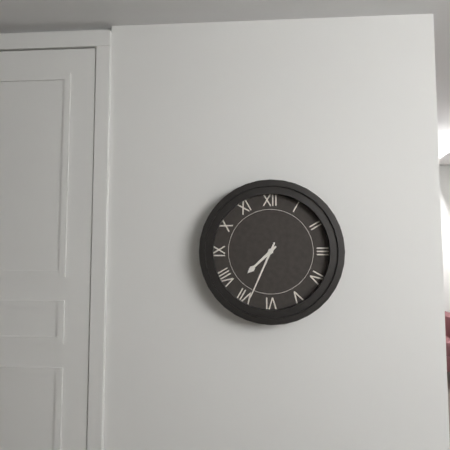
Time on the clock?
7:34
